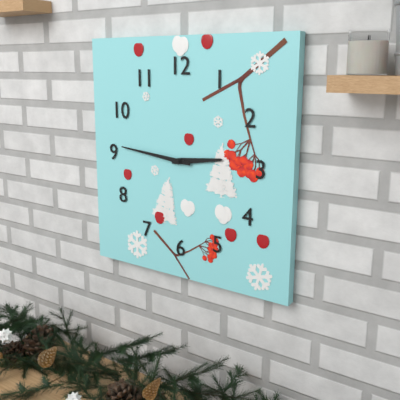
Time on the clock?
2:46
